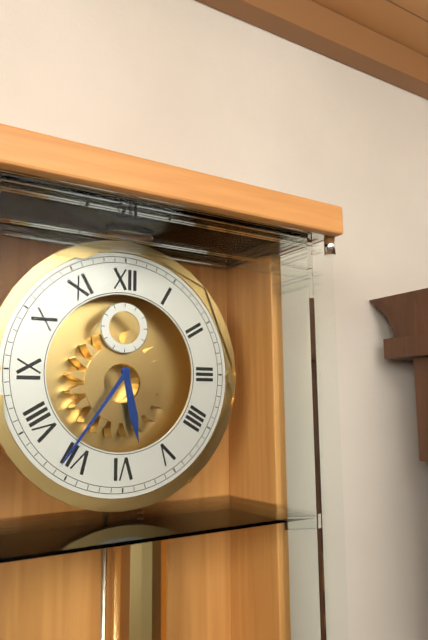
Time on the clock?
5:36
